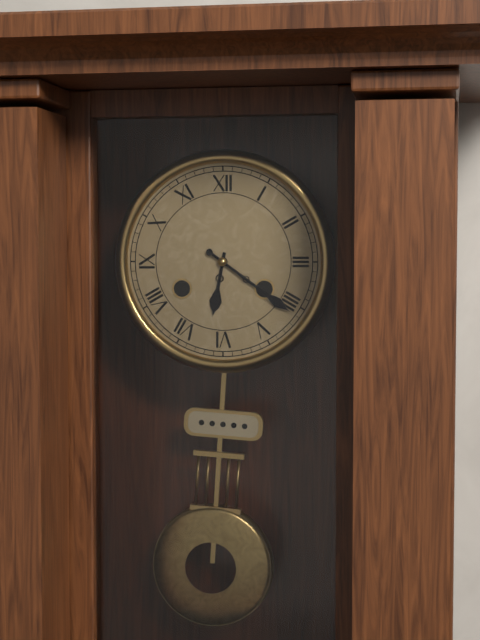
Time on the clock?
6:21
